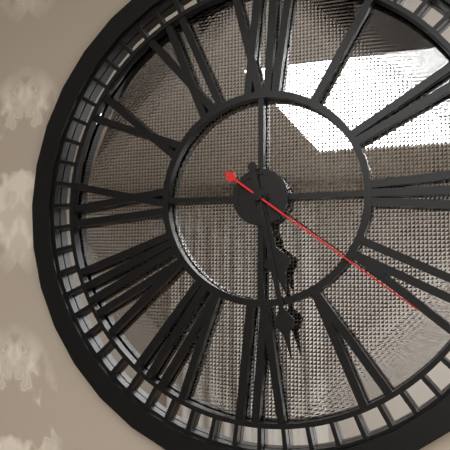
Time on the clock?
5:28:21
